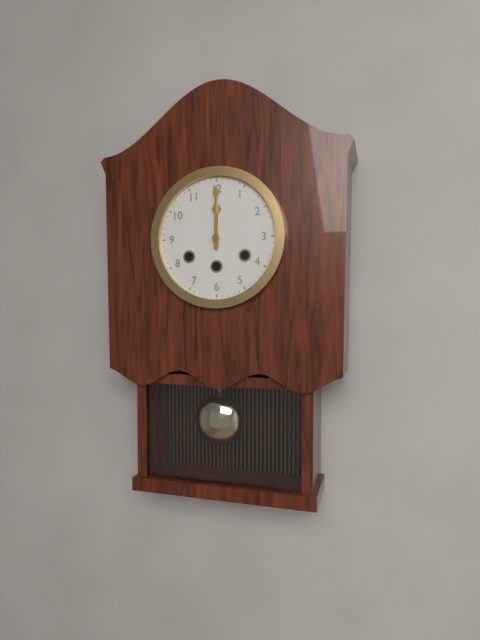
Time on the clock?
12:00
